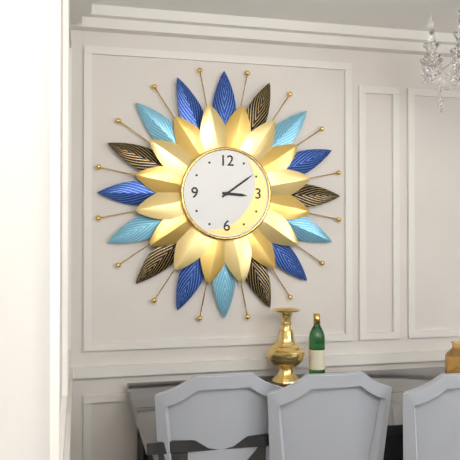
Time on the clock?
3:09
